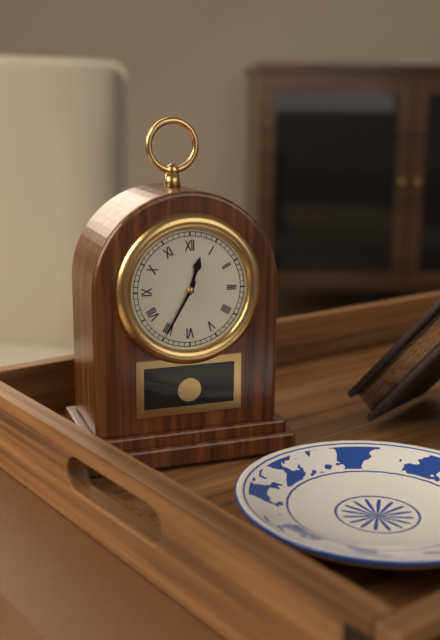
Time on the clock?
12:35
